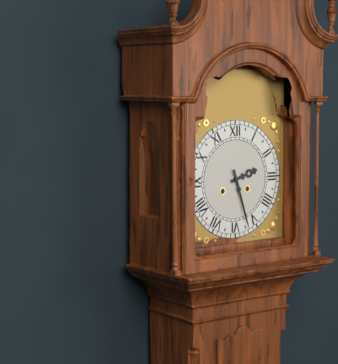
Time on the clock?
2:27
